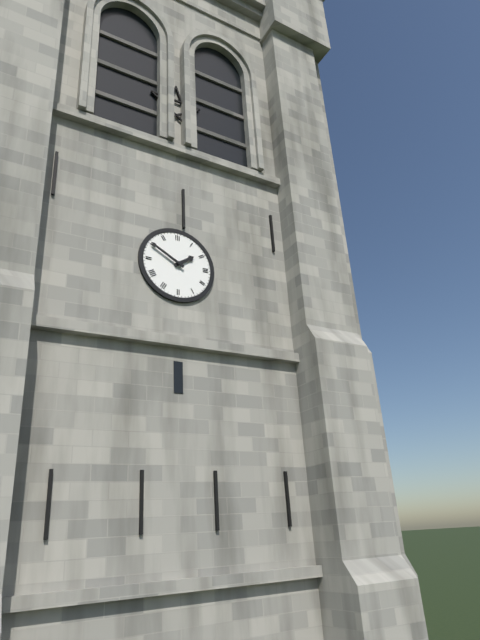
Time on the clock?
1:50
